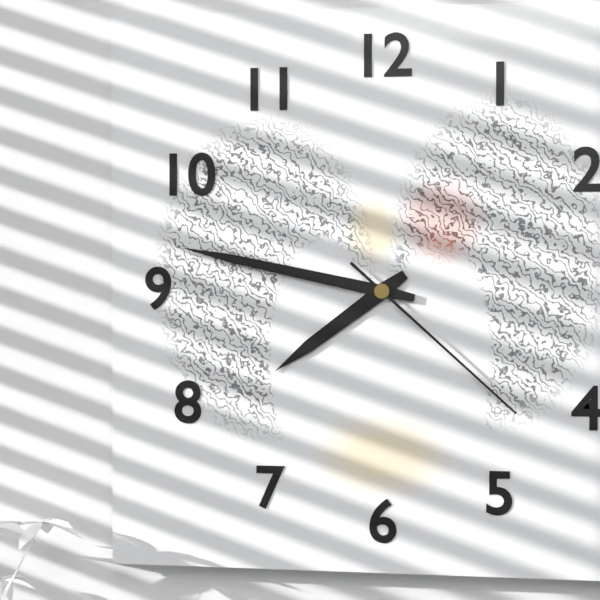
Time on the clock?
7:47:22
